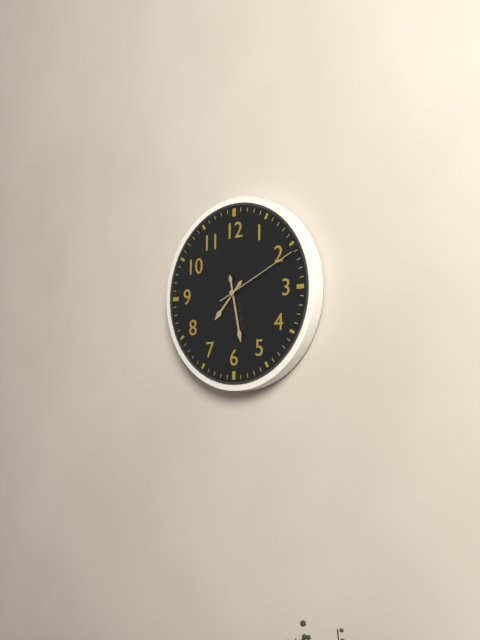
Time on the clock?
7:28:11
